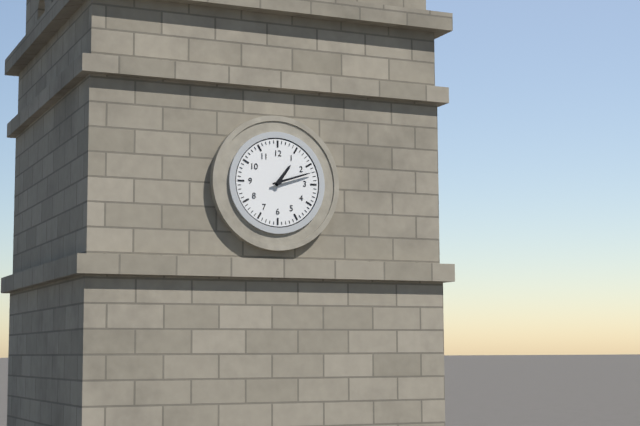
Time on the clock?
1:12
